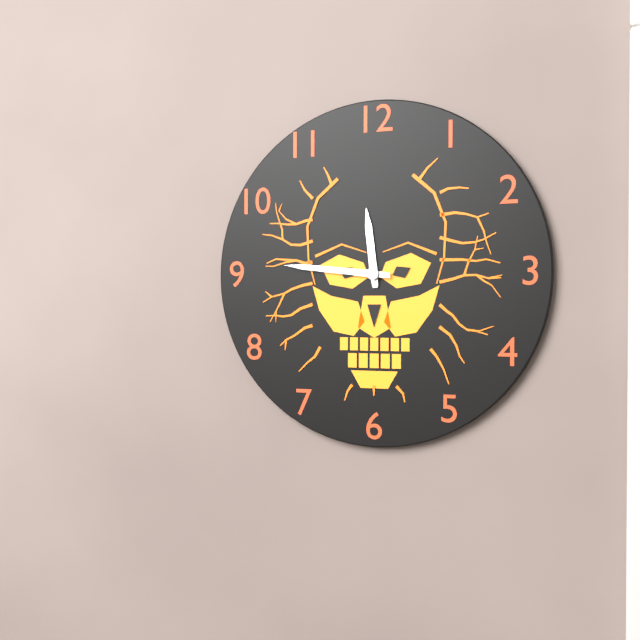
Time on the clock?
11:46
